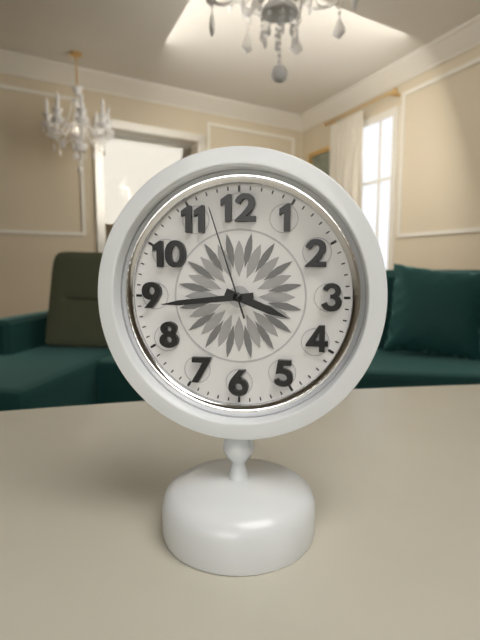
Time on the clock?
3:44:57
